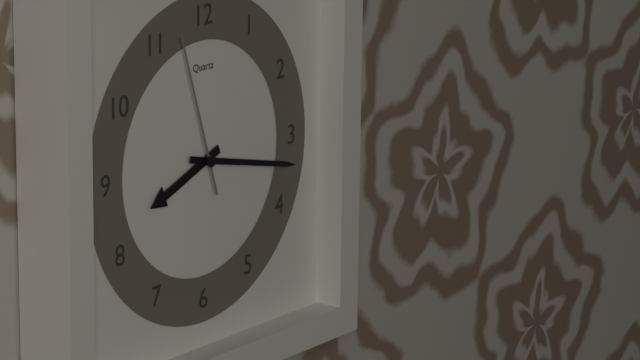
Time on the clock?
8:17:57
